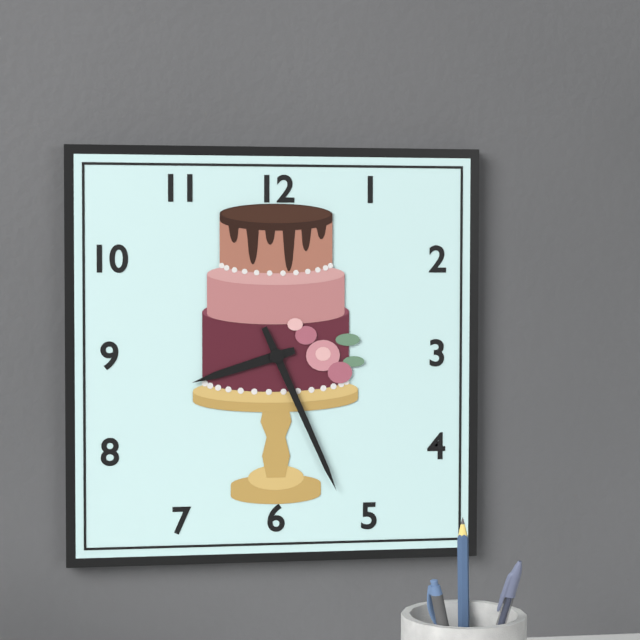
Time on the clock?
8:26
